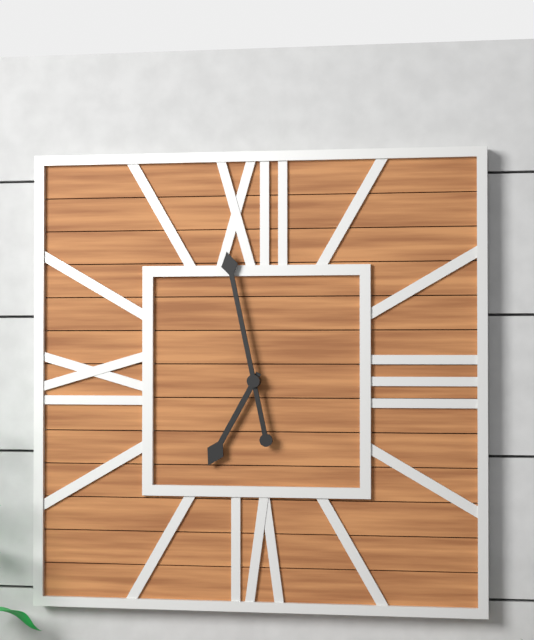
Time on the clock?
6:58
